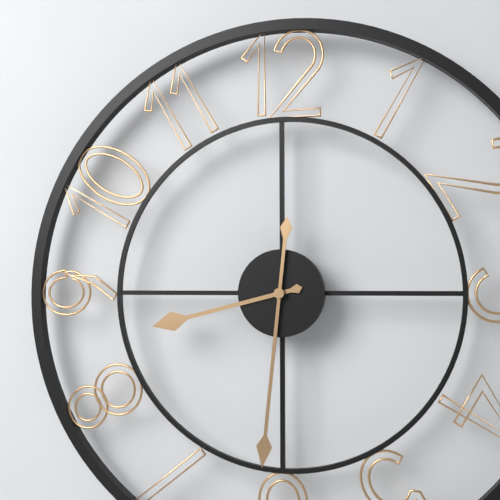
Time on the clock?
8:31
